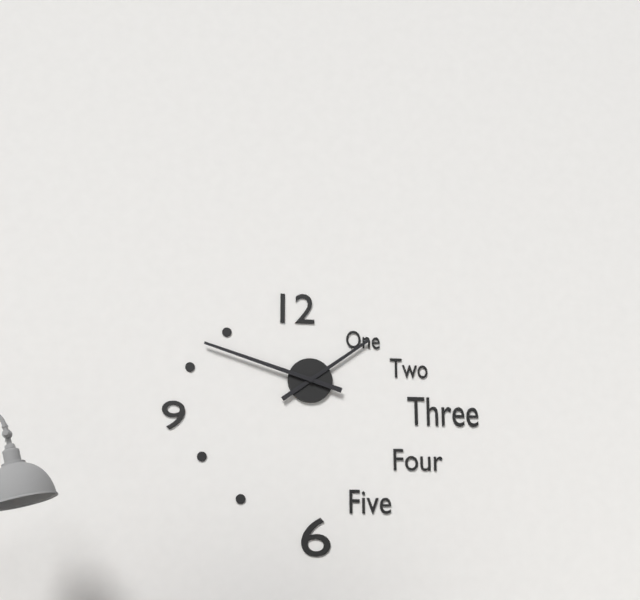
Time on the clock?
1:48
